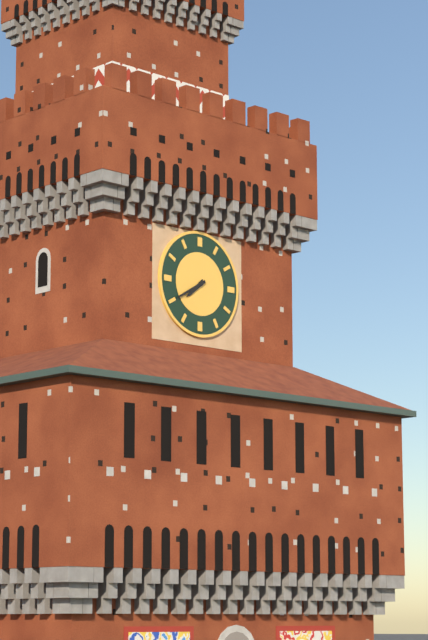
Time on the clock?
7:40
